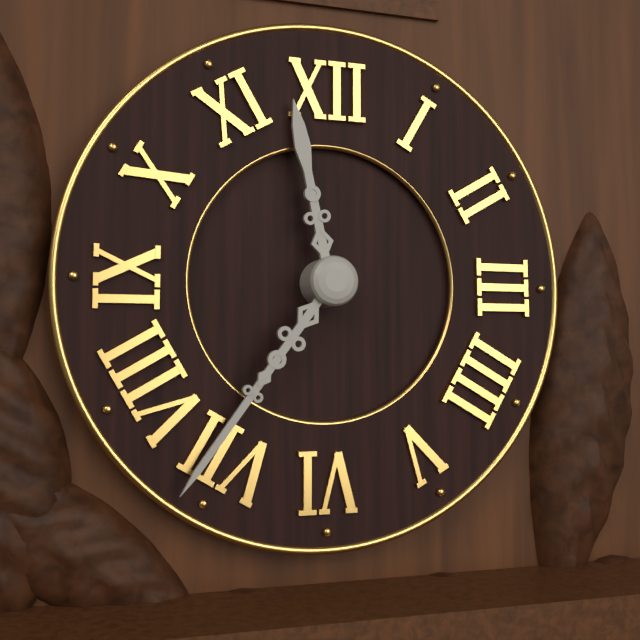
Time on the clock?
11:36
